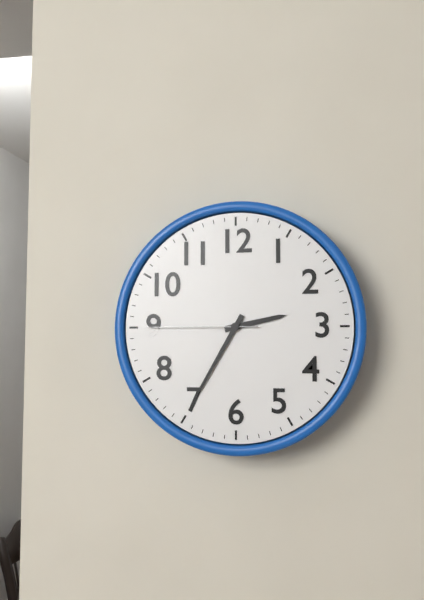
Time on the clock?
2:35:45
